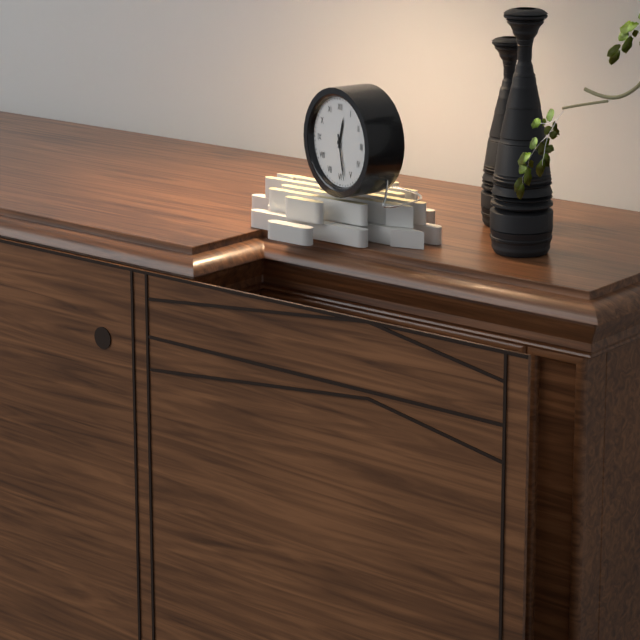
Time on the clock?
12:28
